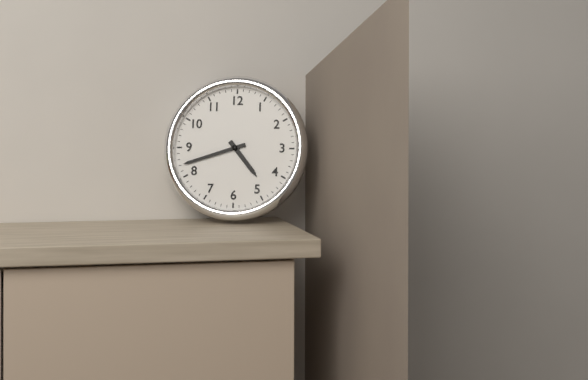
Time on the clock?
4:42
